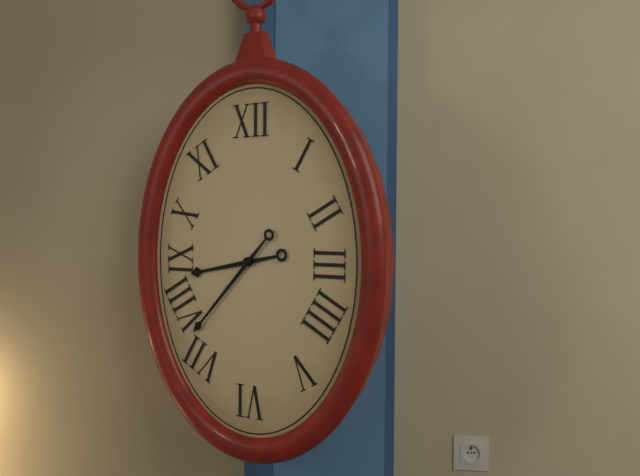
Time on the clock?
8:37
